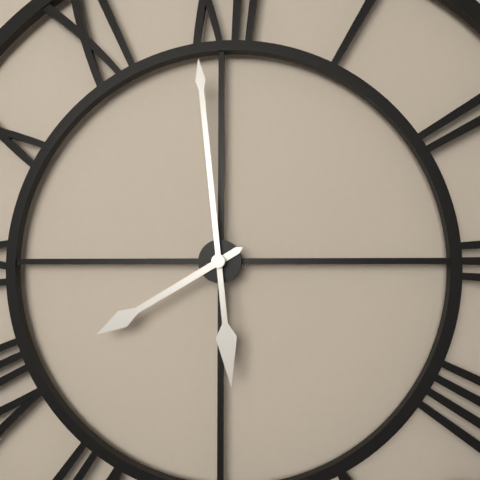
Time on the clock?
7:59
